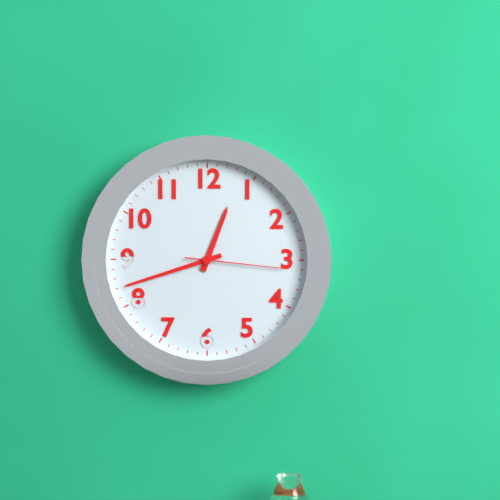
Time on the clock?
12:42:16
